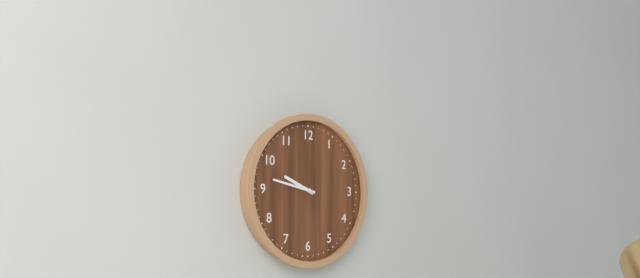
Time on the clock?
9:47
